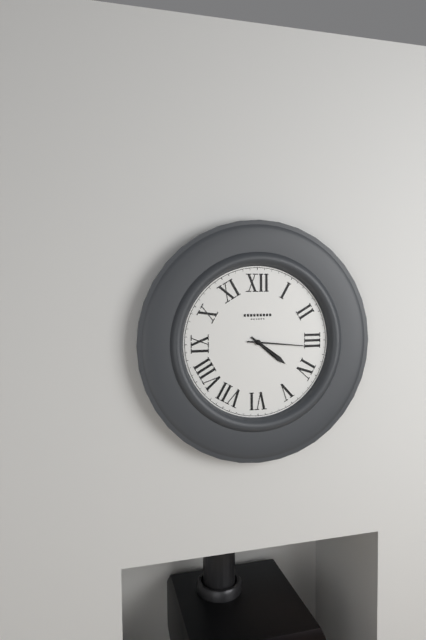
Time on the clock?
4:16
